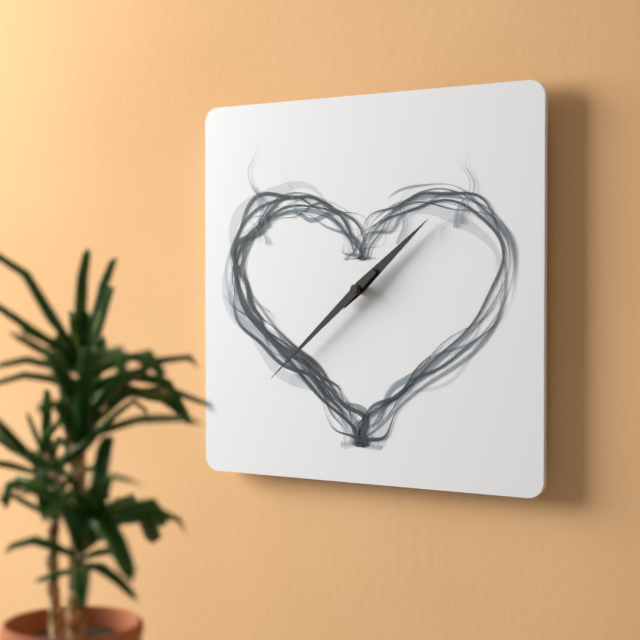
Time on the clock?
1:38
